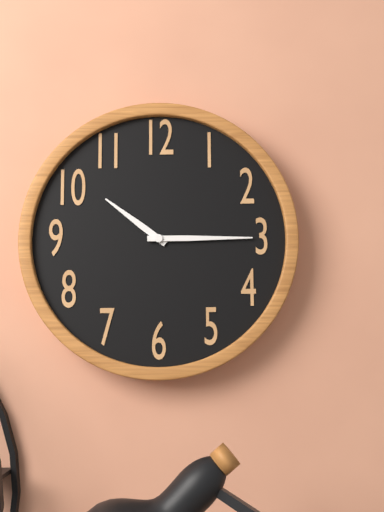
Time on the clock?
10:15
